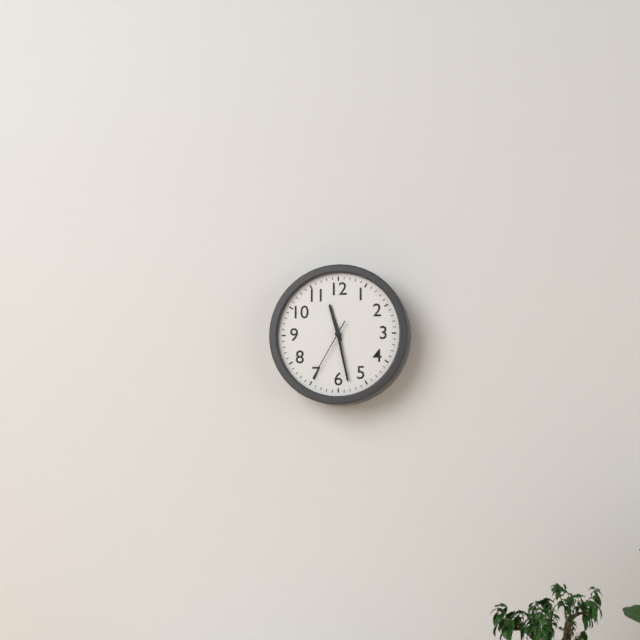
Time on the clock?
11:28:35
